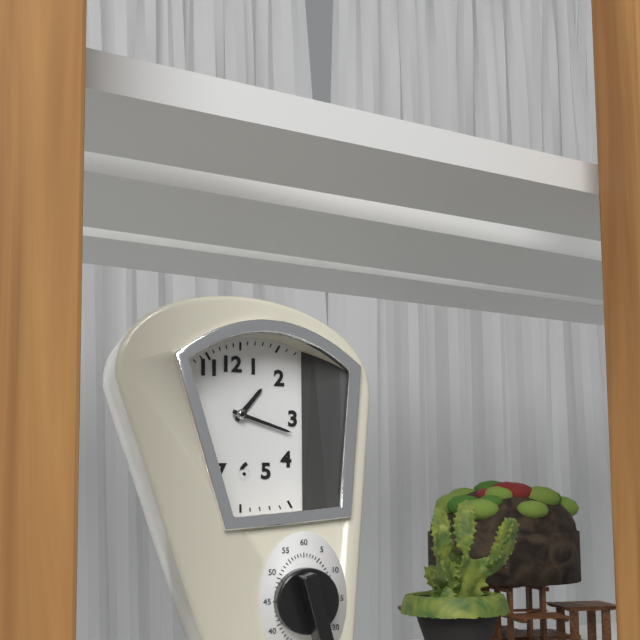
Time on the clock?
1:18
